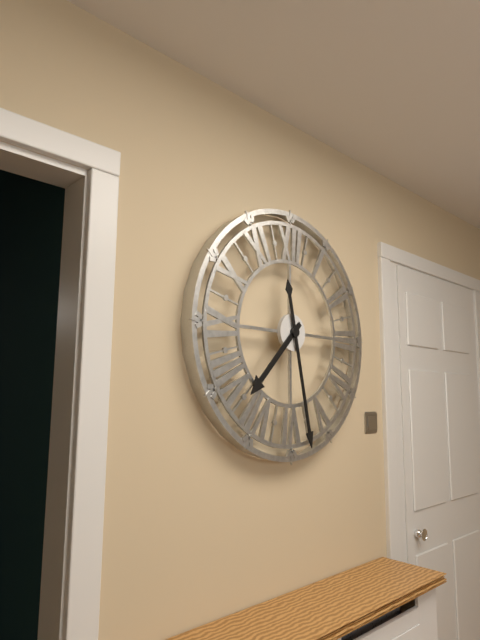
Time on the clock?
7:28
